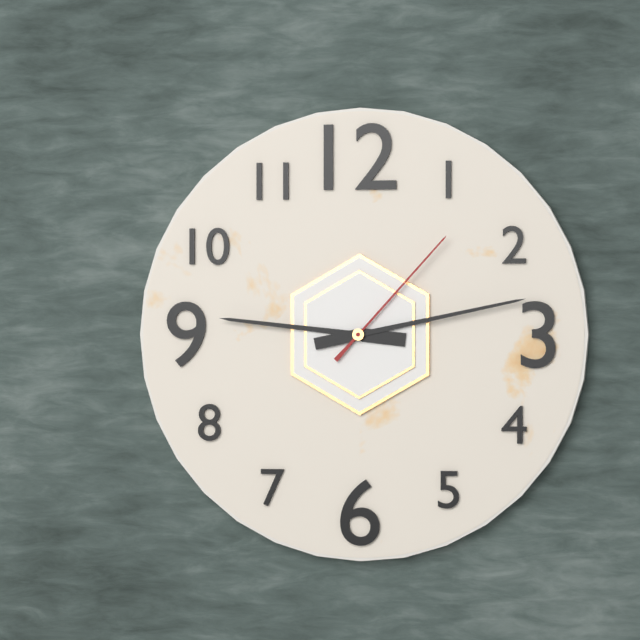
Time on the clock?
9:13:07
